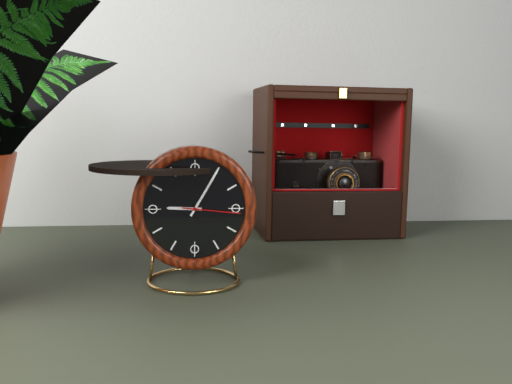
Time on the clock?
9:05:16
